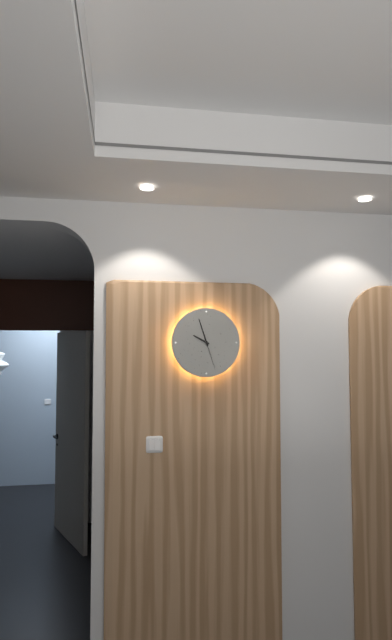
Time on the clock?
9:57
